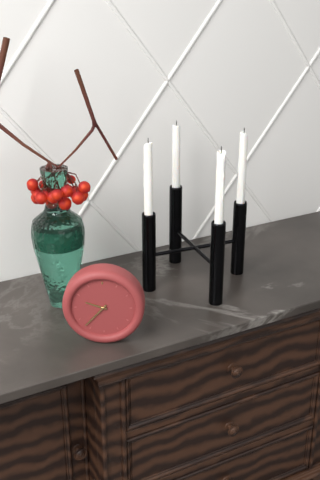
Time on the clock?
9:37
